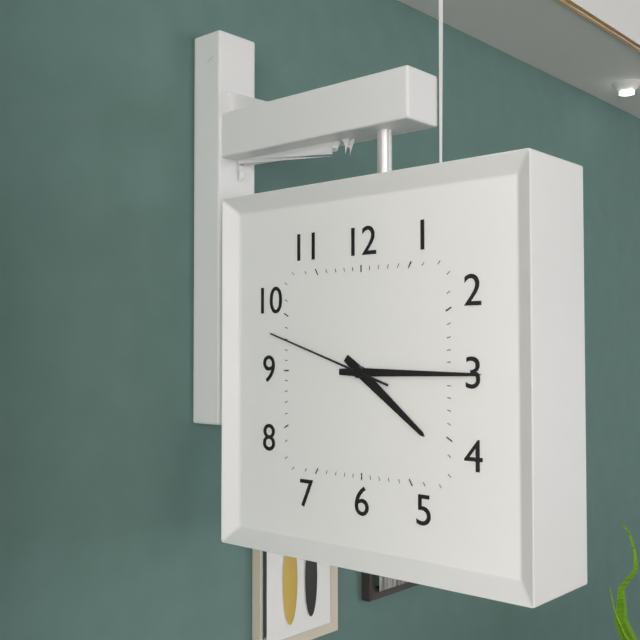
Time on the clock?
4:15:48
